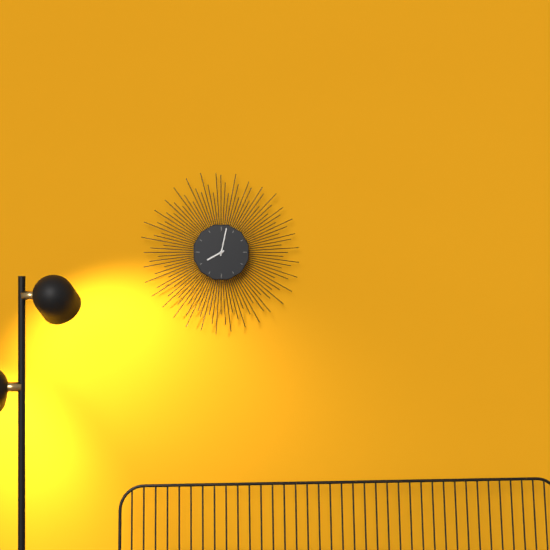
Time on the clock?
8:02
